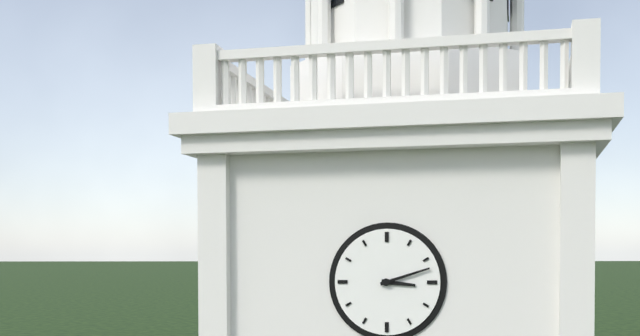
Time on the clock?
3:12
